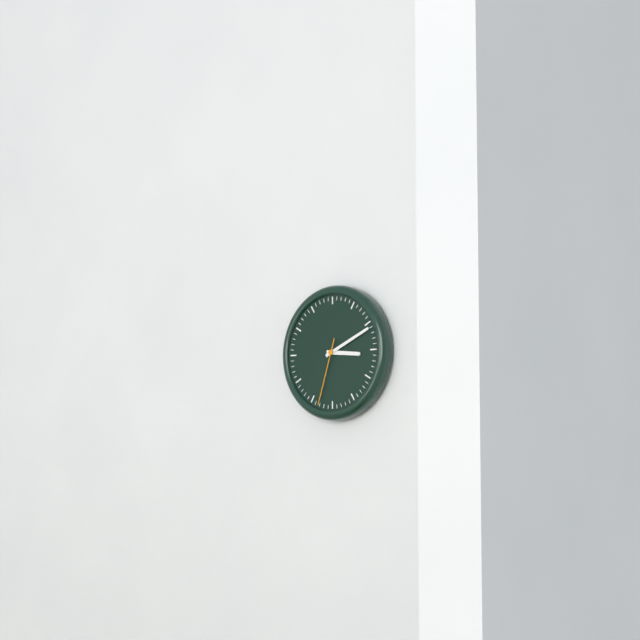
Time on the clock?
3:11:33
